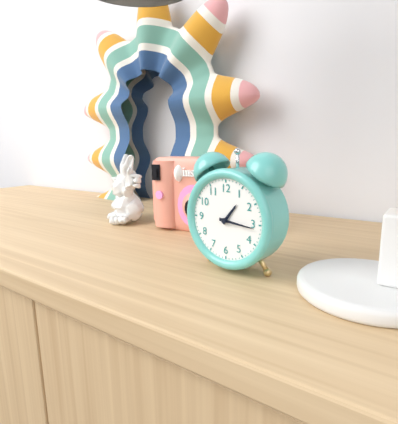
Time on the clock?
1:16
